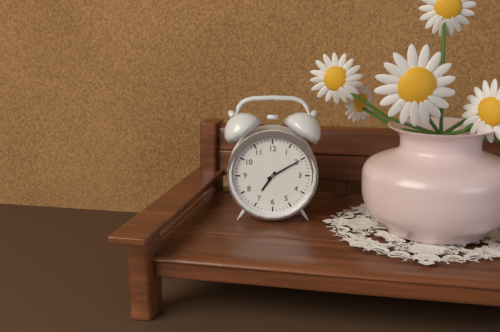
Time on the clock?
7:10
